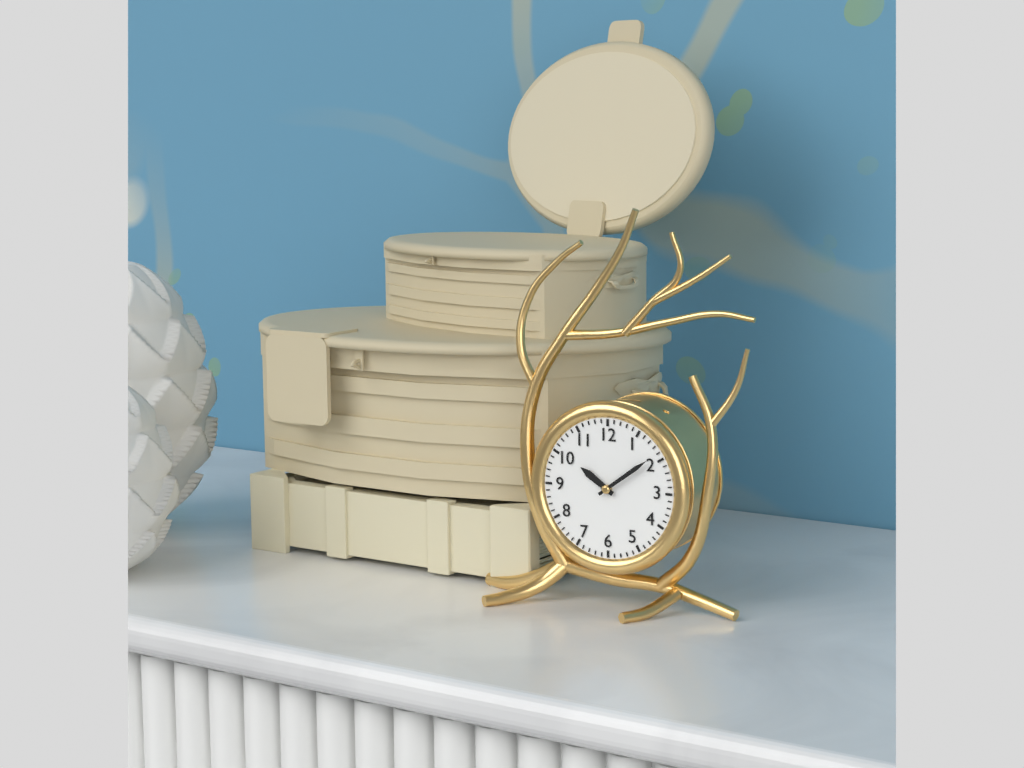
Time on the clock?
10:09
